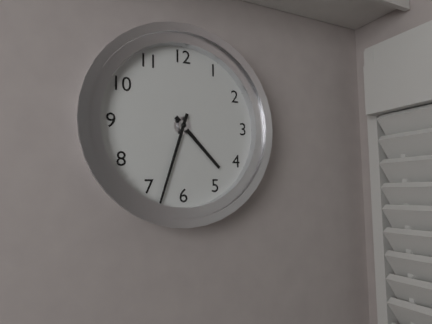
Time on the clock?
4:33
